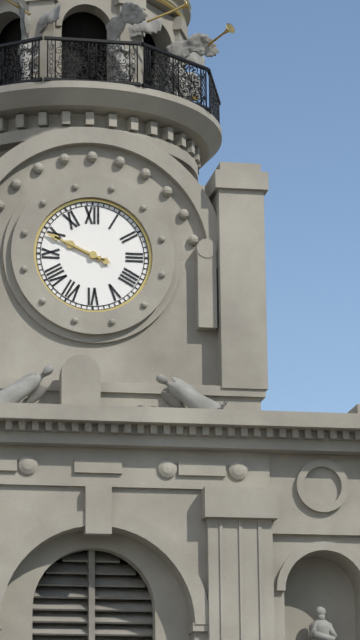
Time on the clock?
9:49
